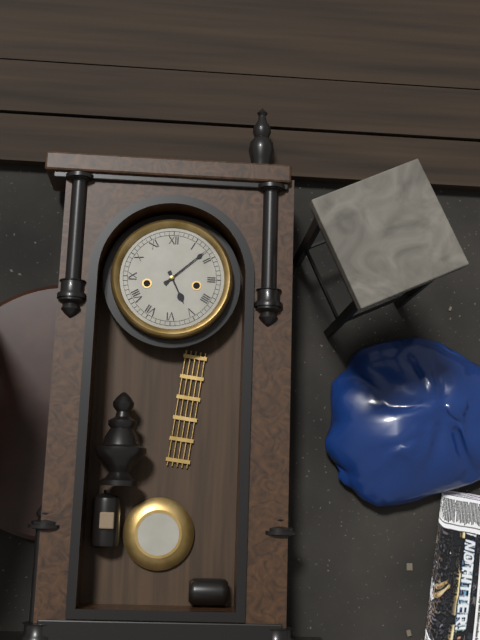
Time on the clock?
5:08
